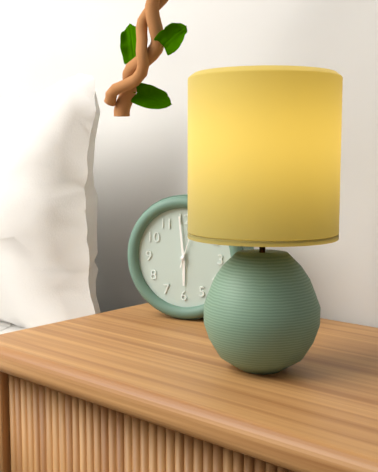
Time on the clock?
5:59
